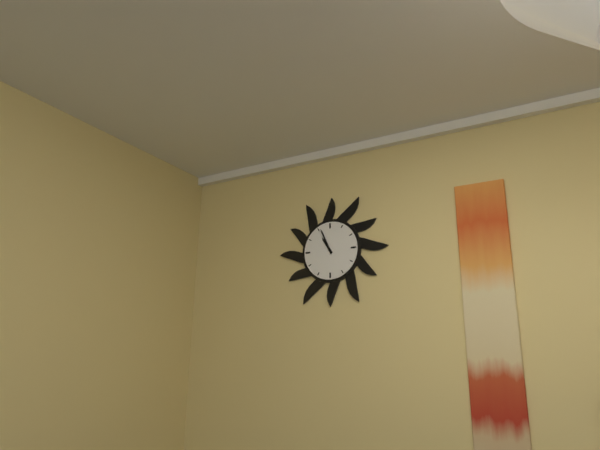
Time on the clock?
10:56
